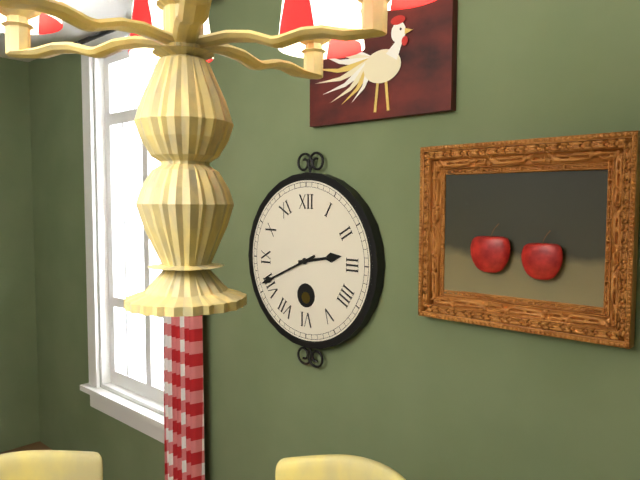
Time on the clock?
2:41
